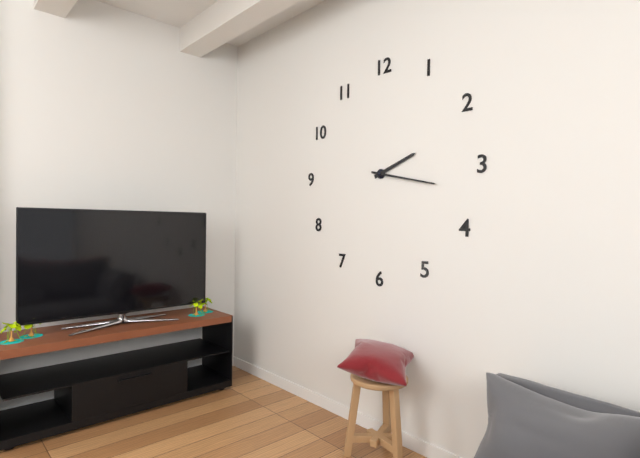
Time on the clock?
2:17
